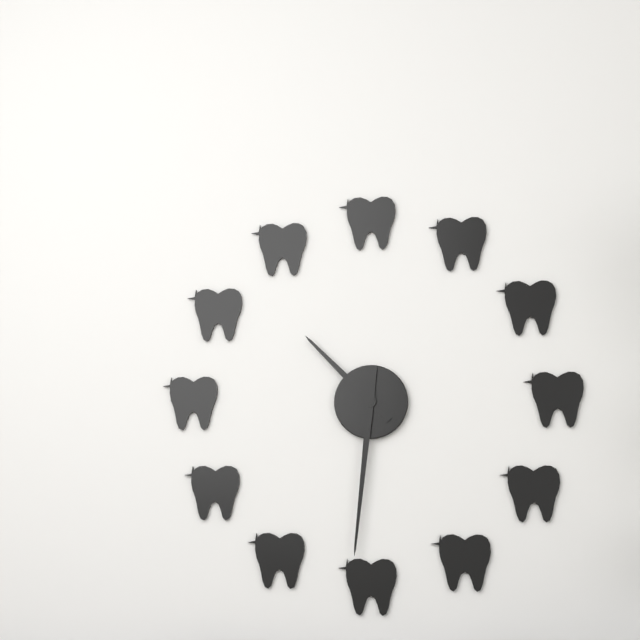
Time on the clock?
10:31
